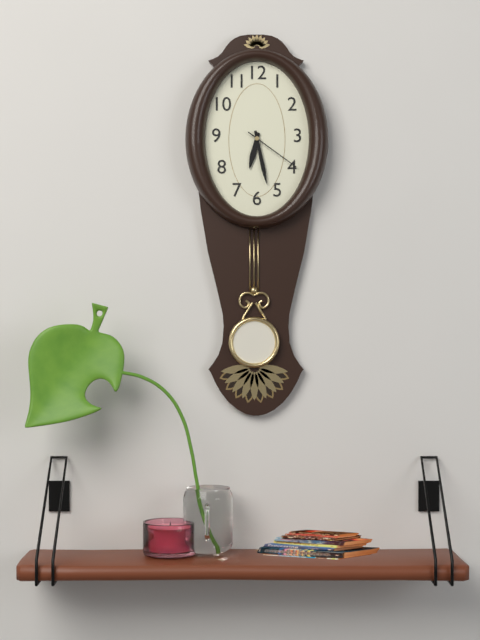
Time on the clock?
6:28:21
